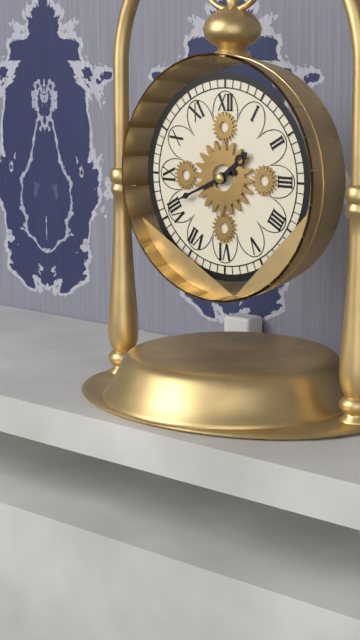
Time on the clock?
1:41
